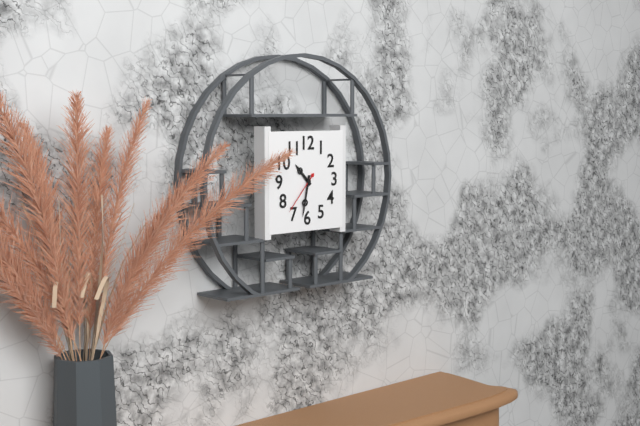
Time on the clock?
10:32
